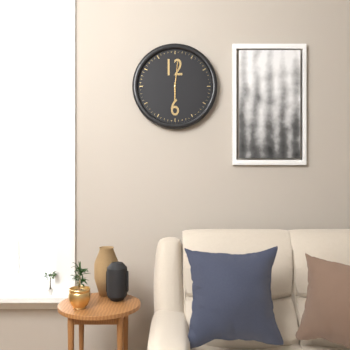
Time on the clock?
6:01
